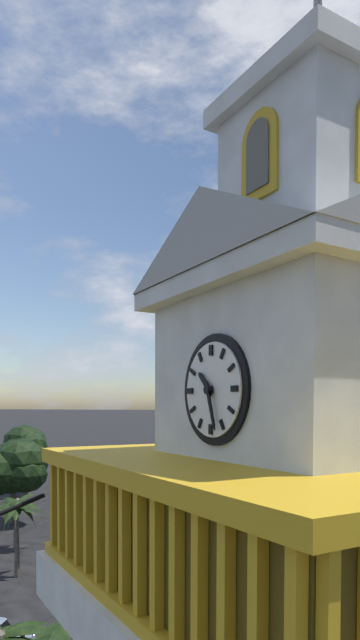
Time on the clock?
10:27
